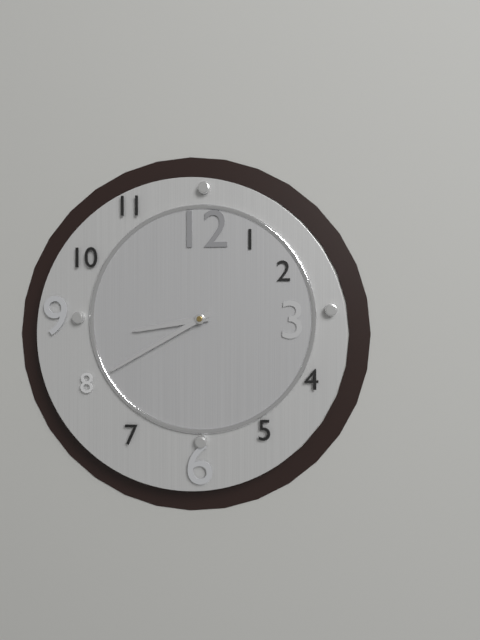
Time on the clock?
8:40
